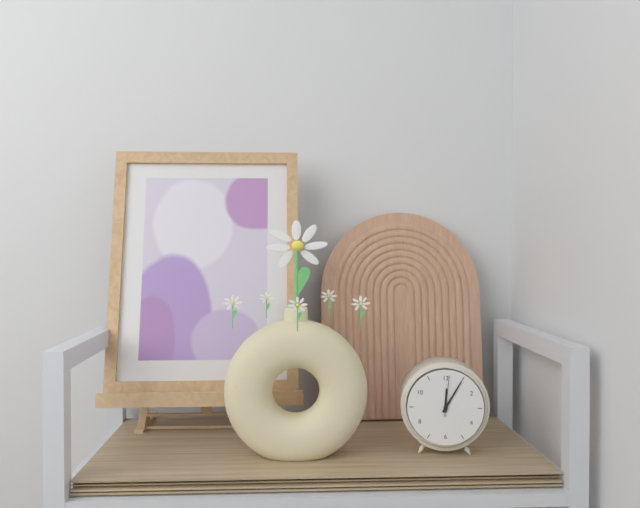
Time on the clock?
12:05
